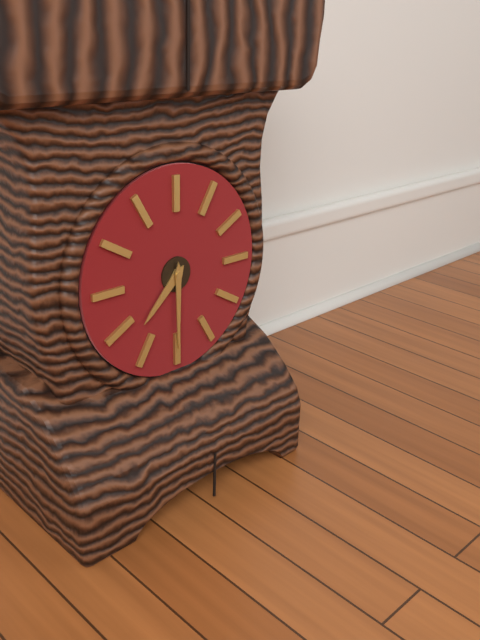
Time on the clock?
7:30
